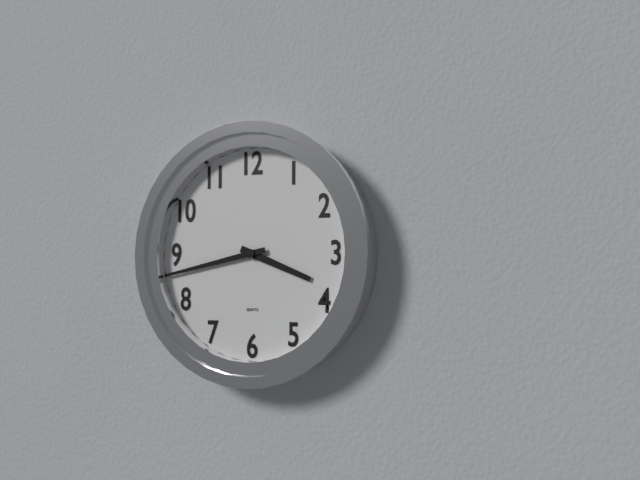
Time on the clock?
3:43
